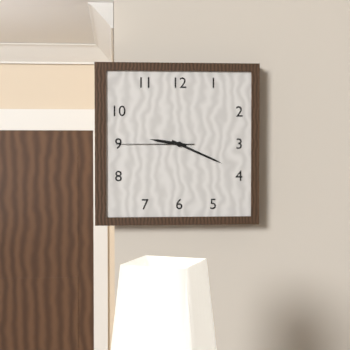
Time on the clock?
9:19:45
